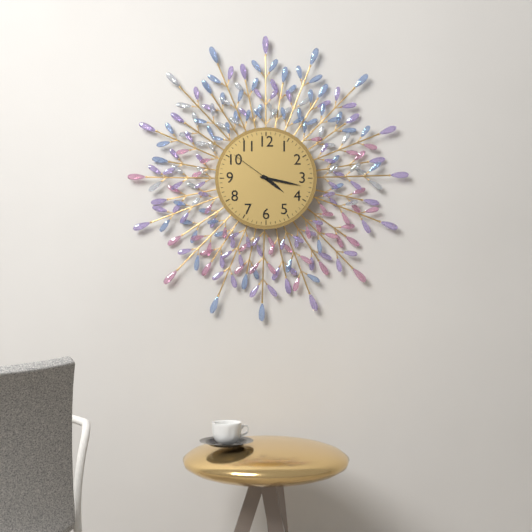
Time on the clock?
4:17:51
